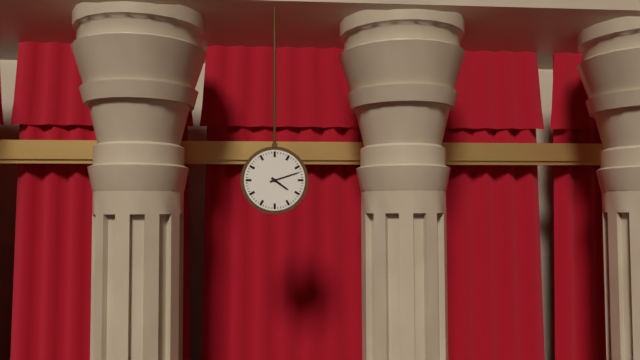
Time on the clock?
4:12
